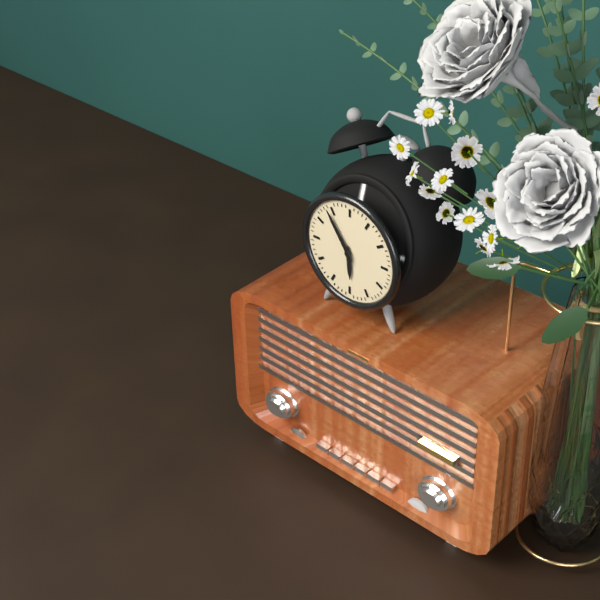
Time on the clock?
5:54
